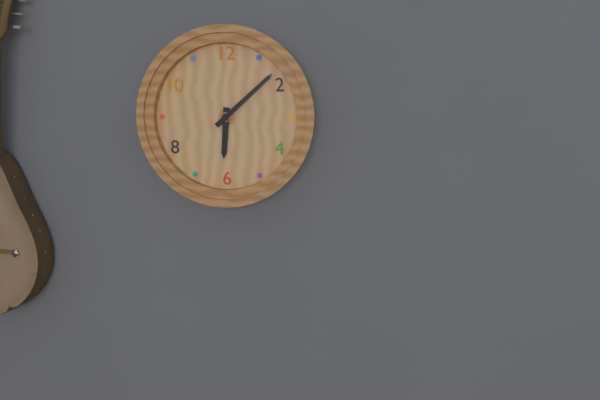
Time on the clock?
6:08
